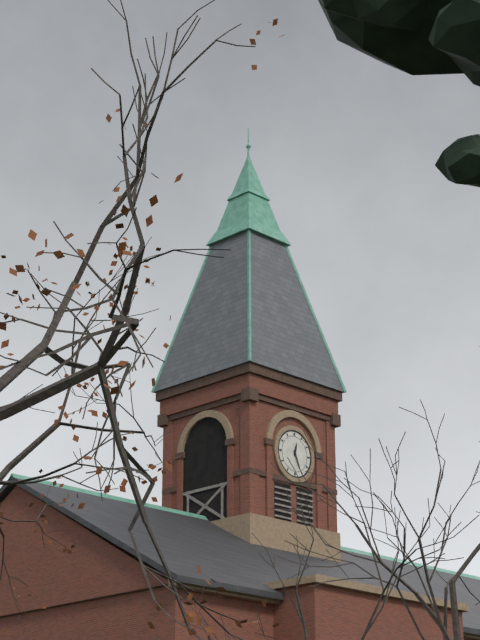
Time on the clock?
12:26
